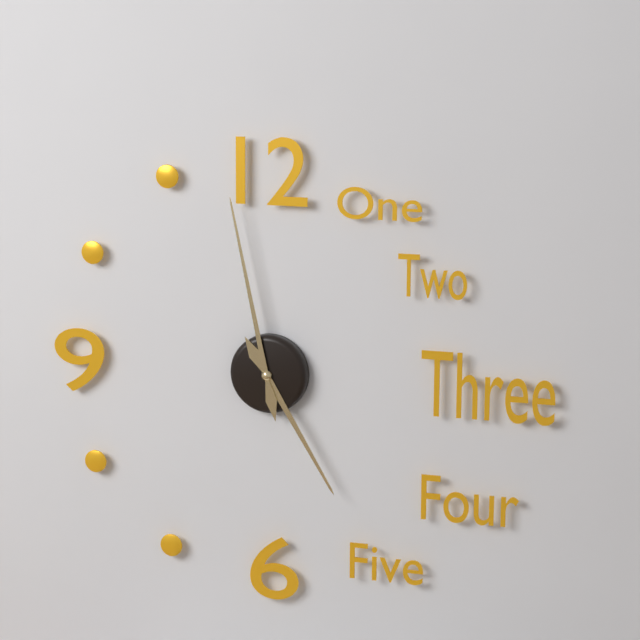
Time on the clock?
4:58
